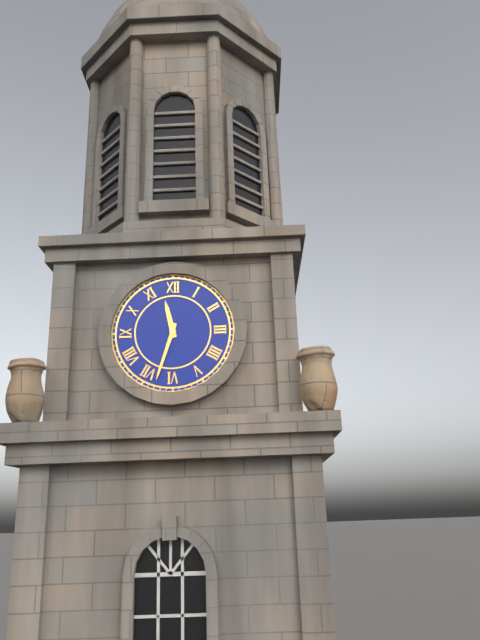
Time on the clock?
11:33
